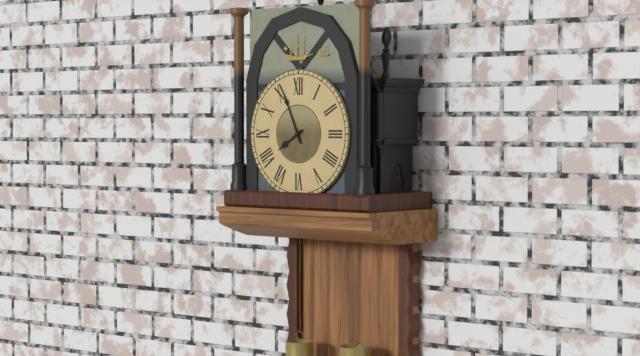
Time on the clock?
7:56
